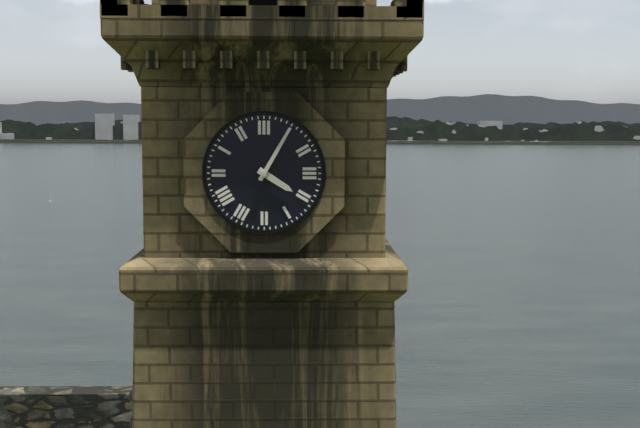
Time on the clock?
4:05
